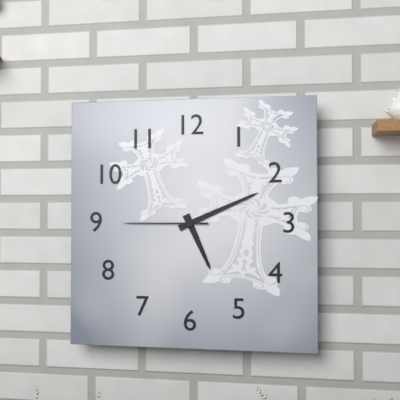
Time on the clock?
5:11:45
